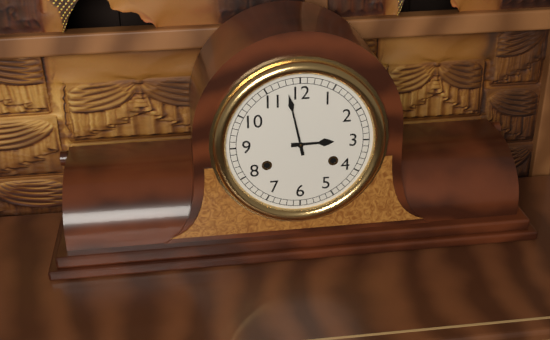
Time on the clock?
2:58
